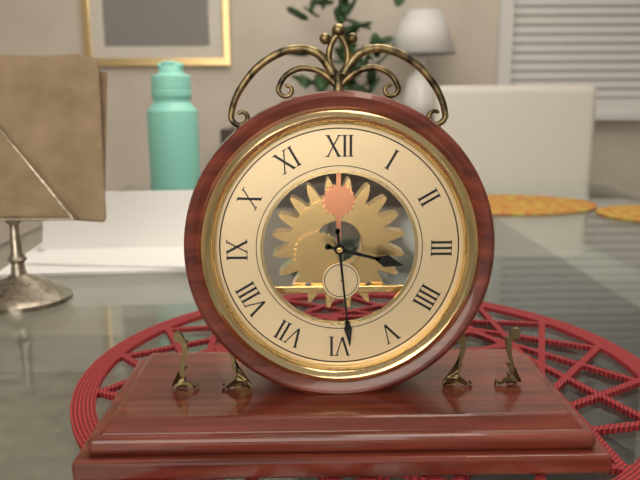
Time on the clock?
3:29
